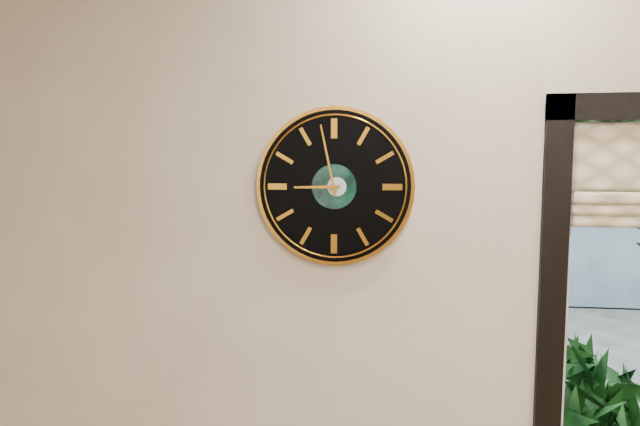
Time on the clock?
8:58
